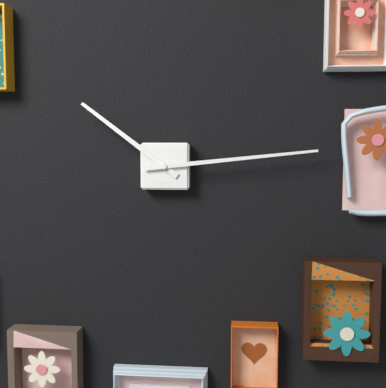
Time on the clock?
10:14
